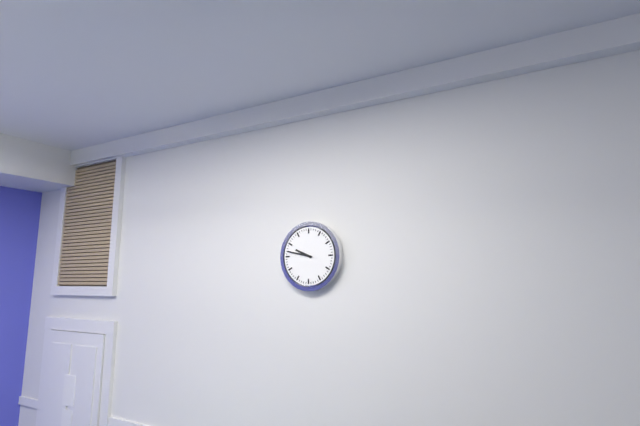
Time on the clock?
9:47
